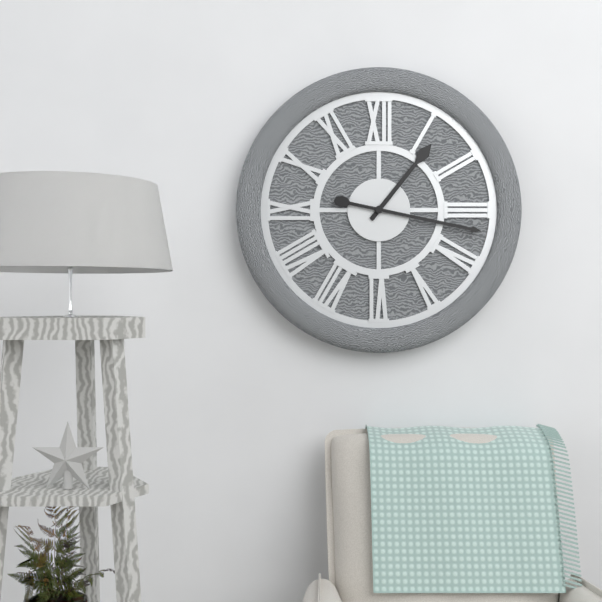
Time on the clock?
1:17
